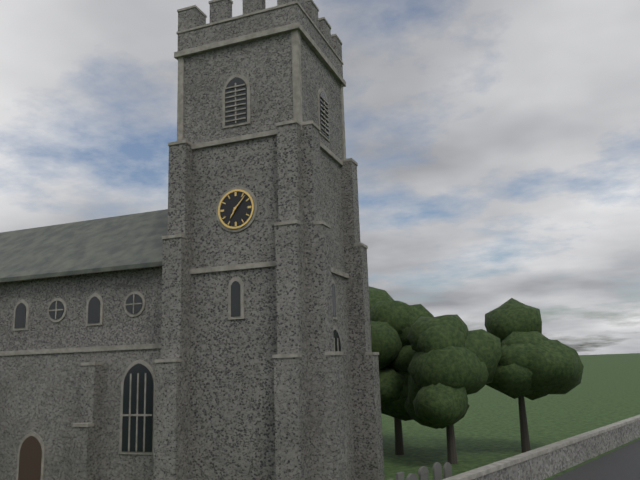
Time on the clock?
7:07
